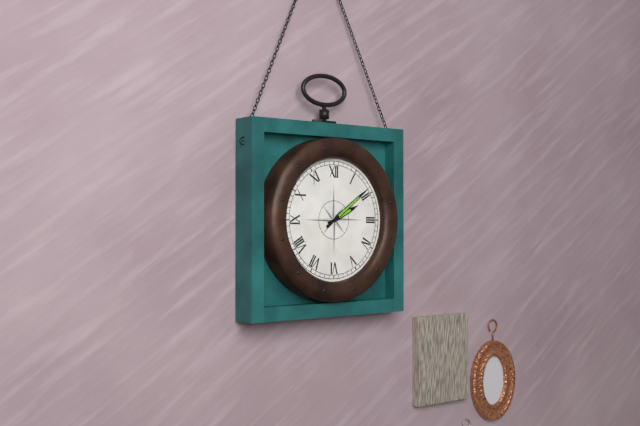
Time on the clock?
2:09
